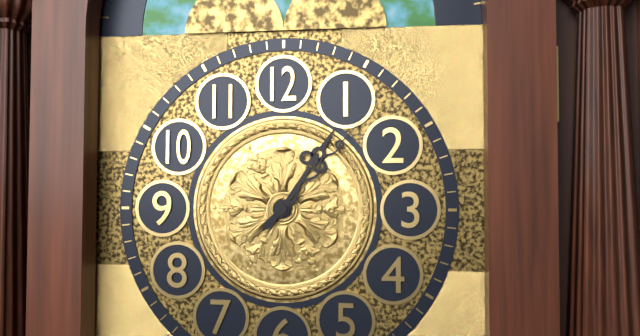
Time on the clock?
1:07
